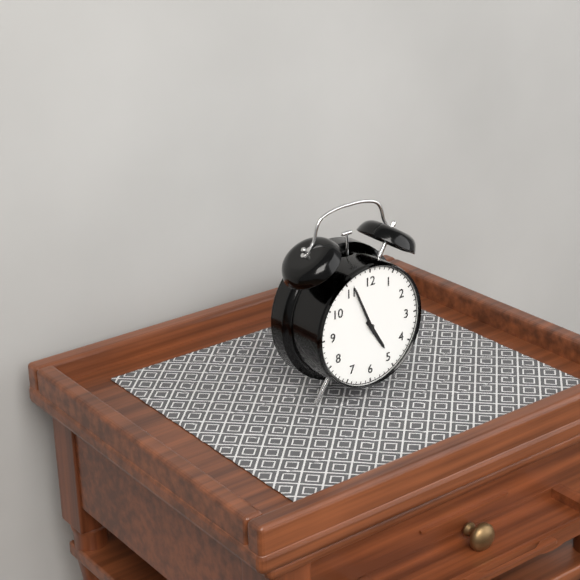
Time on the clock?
4:56
